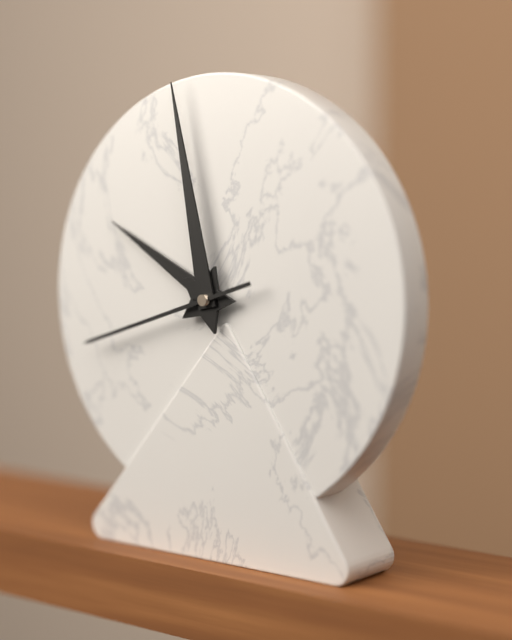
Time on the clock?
9:58:42
